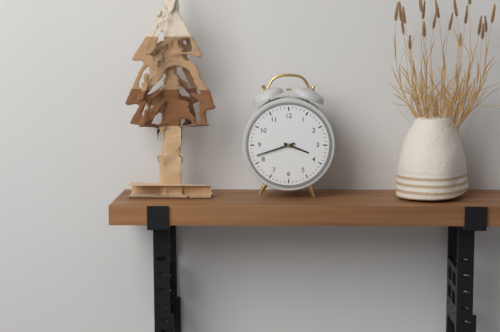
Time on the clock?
3:42
